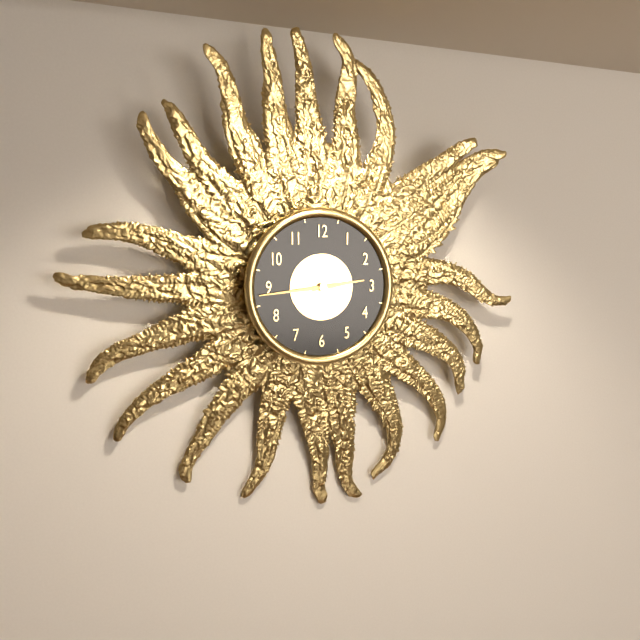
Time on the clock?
2:44
